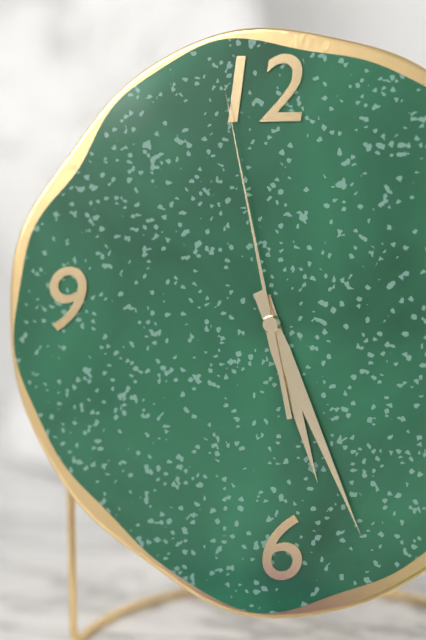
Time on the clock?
5:26:58
